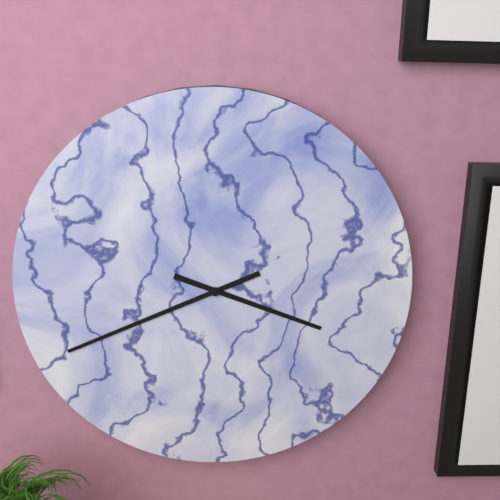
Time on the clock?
3:41
